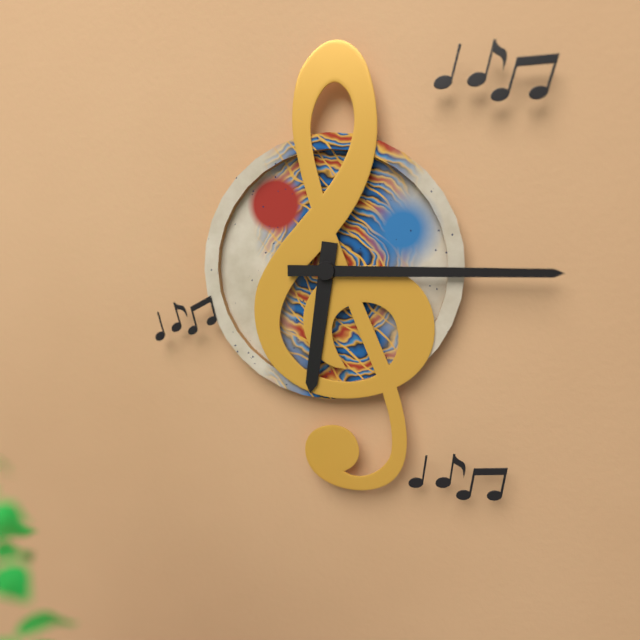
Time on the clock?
6:15
